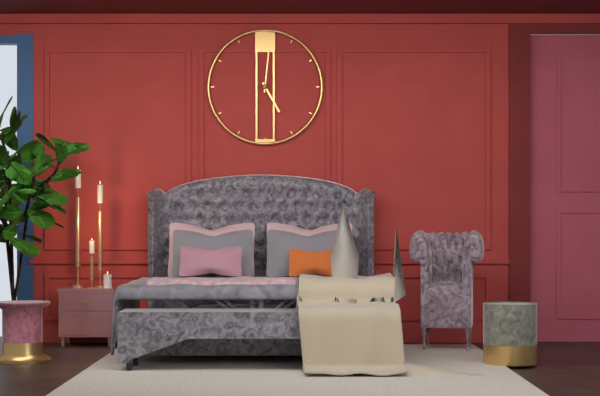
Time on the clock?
5:01
